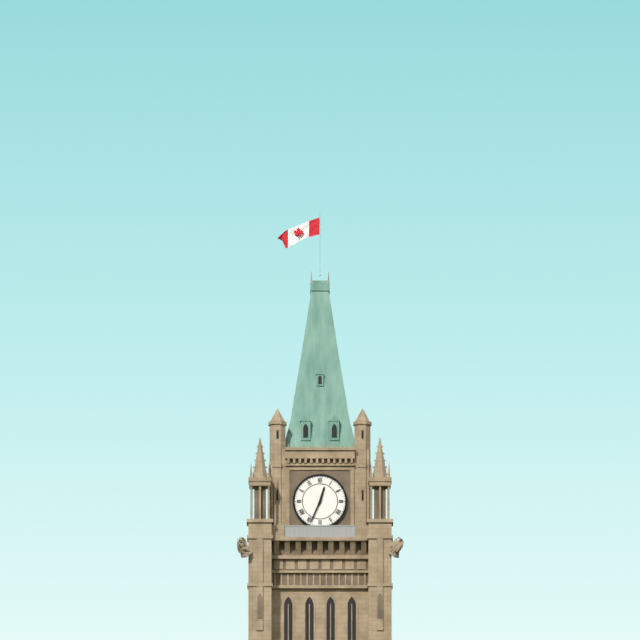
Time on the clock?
12:34
